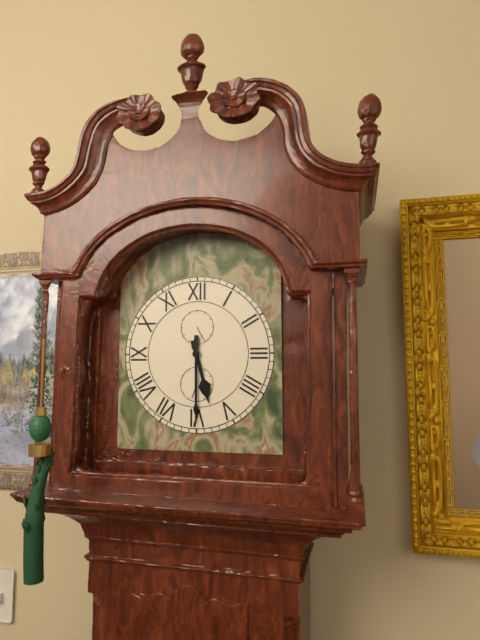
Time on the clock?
5:30
